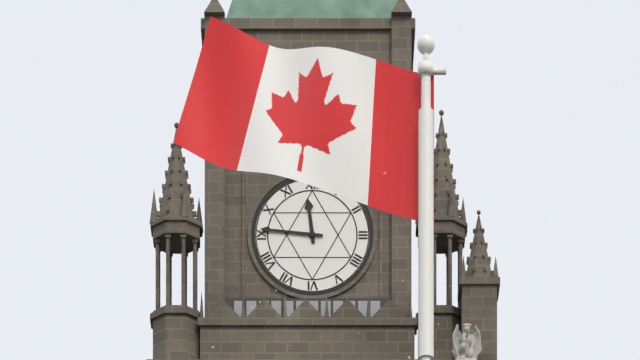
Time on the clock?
11:46
